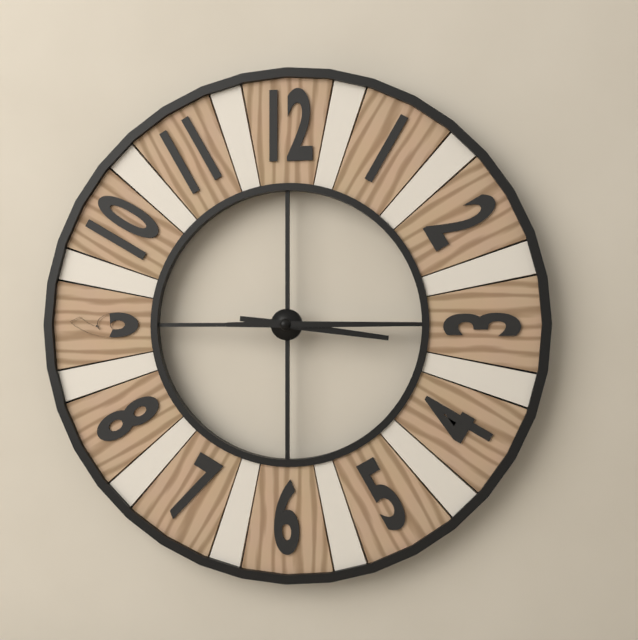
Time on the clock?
3:15
